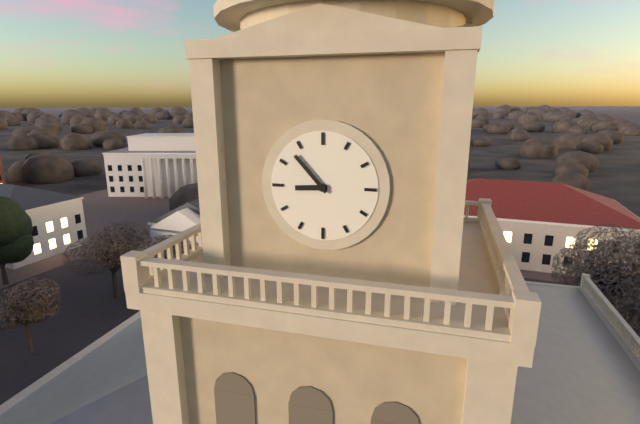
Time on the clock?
8:53
